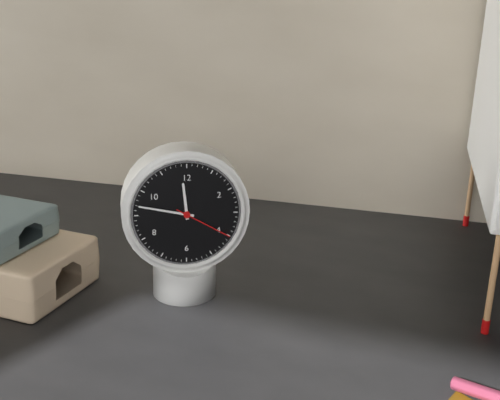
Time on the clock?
11:47:20
